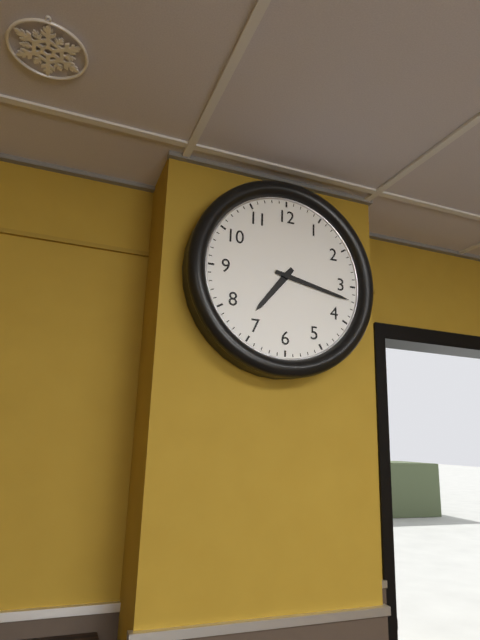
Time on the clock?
7:17
